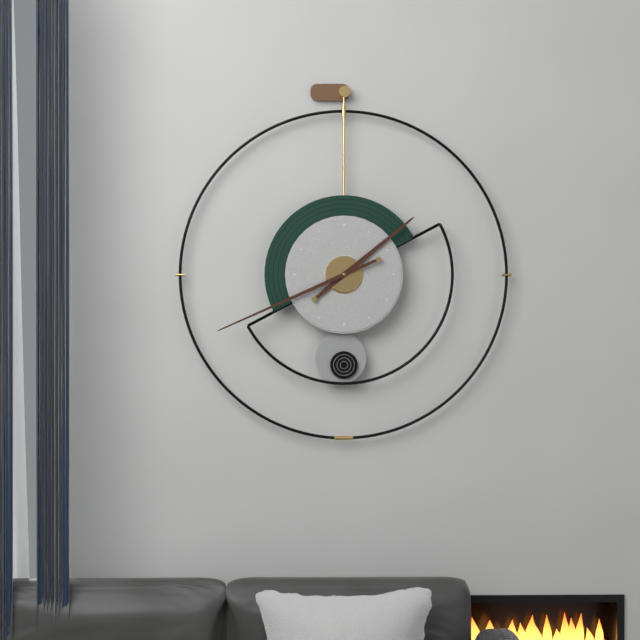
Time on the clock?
1:41
